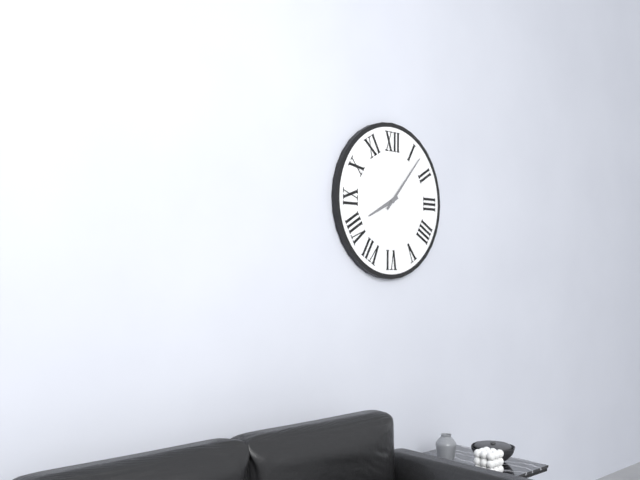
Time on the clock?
8:07
